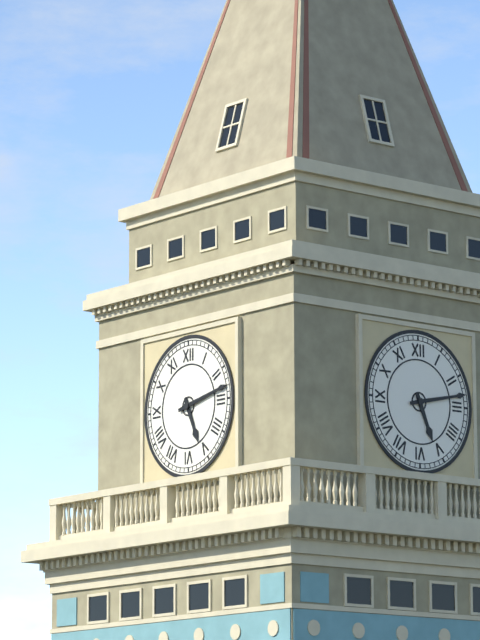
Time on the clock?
5:13
